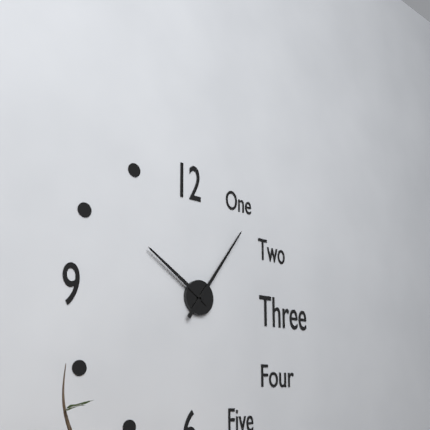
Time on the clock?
10:06
